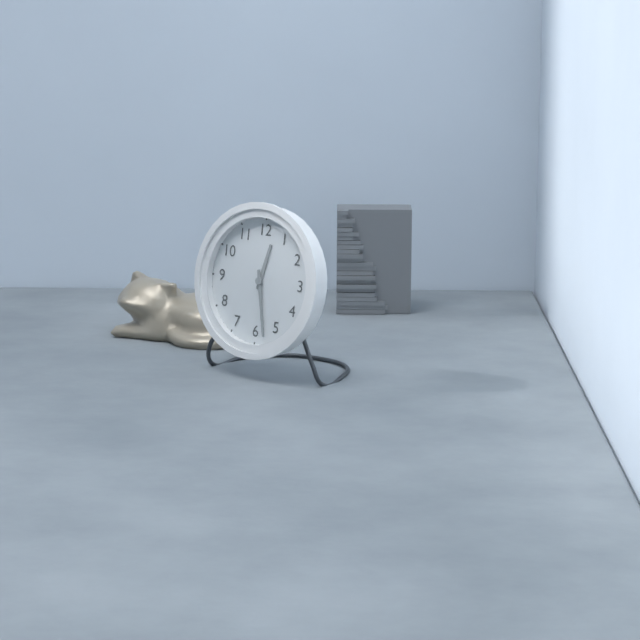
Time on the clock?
12:28
